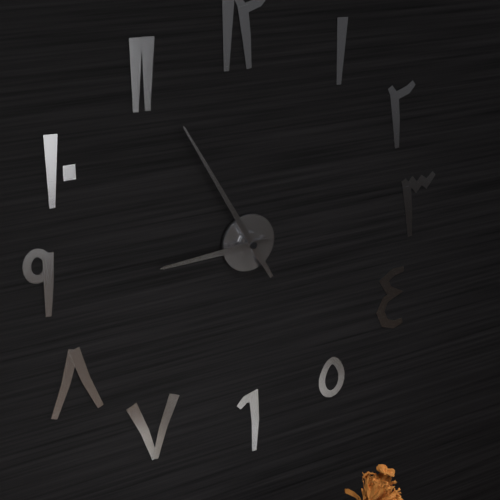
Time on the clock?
8:55
